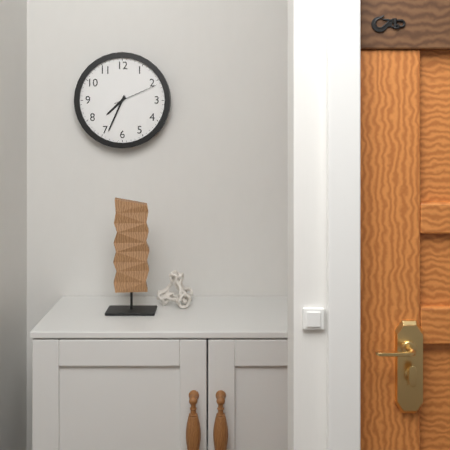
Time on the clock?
7:34
